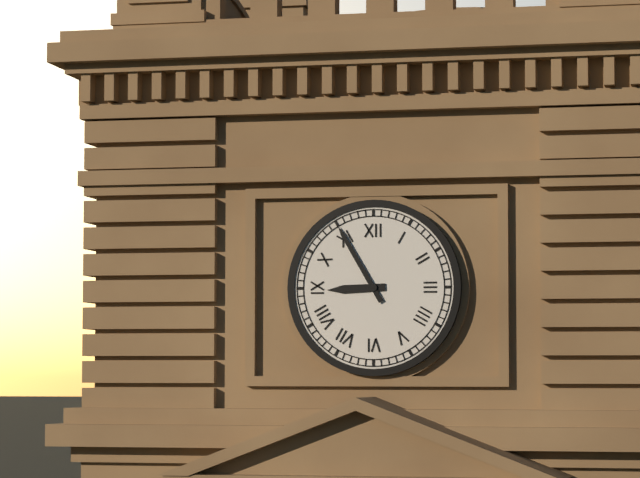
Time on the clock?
8:55
